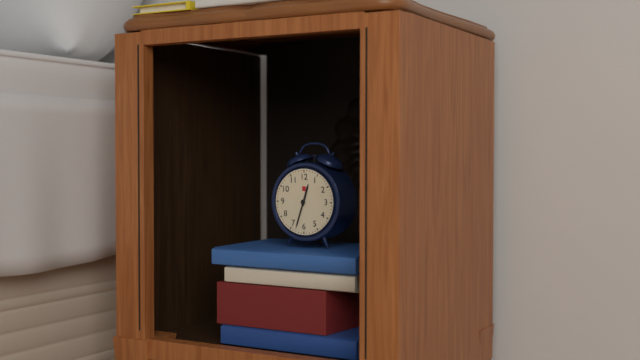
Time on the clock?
12:33
